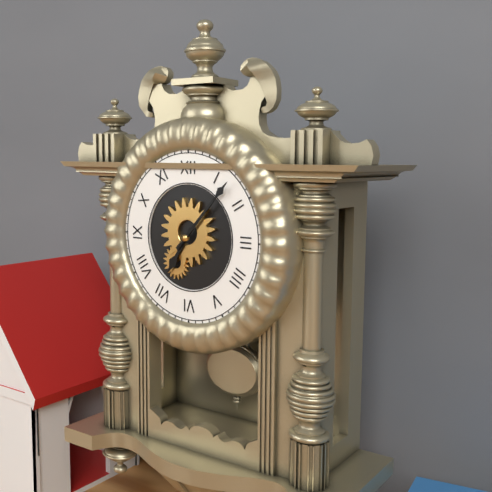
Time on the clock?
7:07
